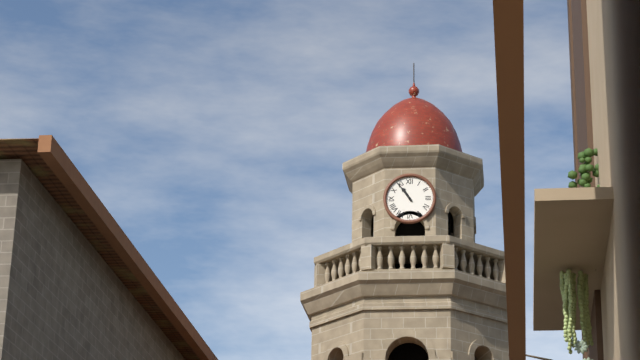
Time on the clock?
10:54
